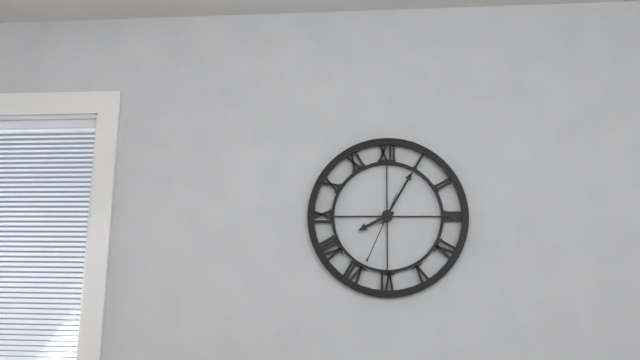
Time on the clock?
8:05:34
